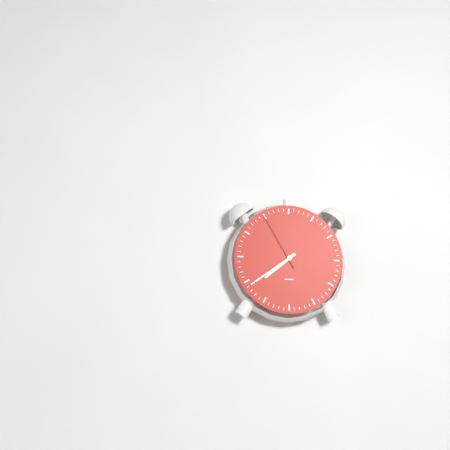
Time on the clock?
7:39:55
